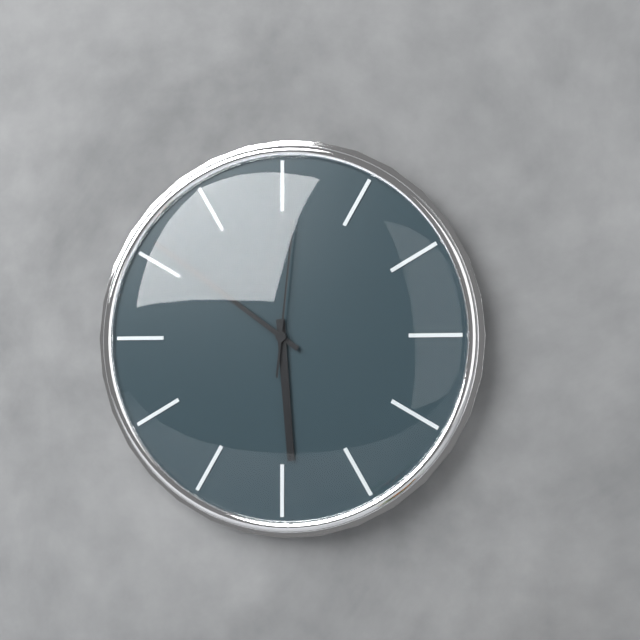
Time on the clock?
5:51:01
